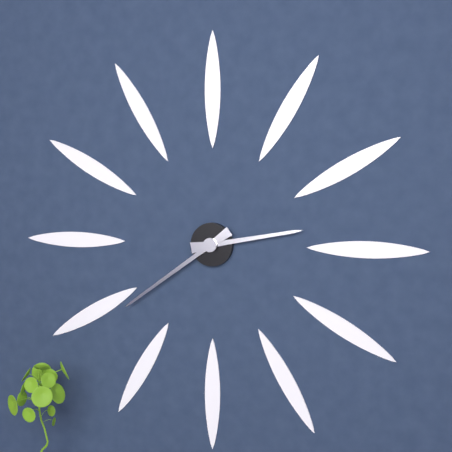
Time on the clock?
2:39
